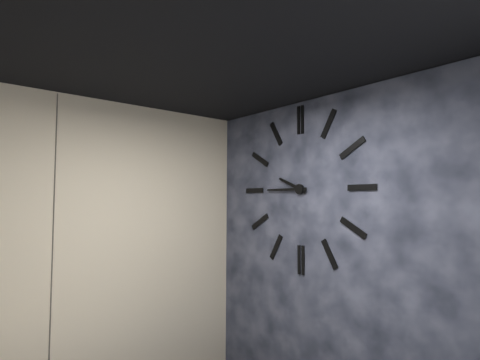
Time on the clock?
9:45
